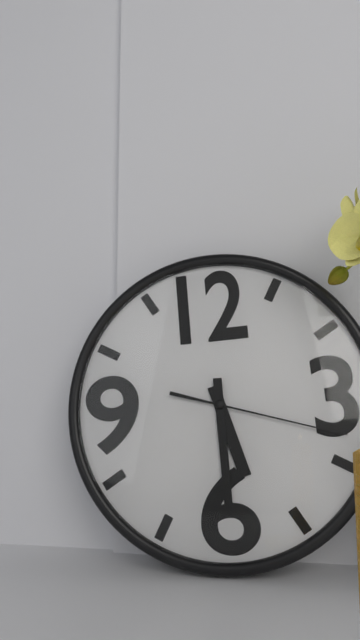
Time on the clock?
5:30:18
